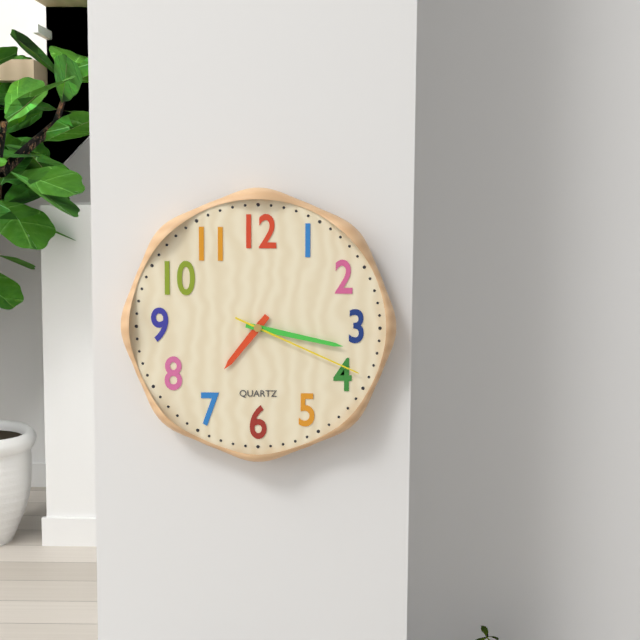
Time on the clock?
7:17:19
